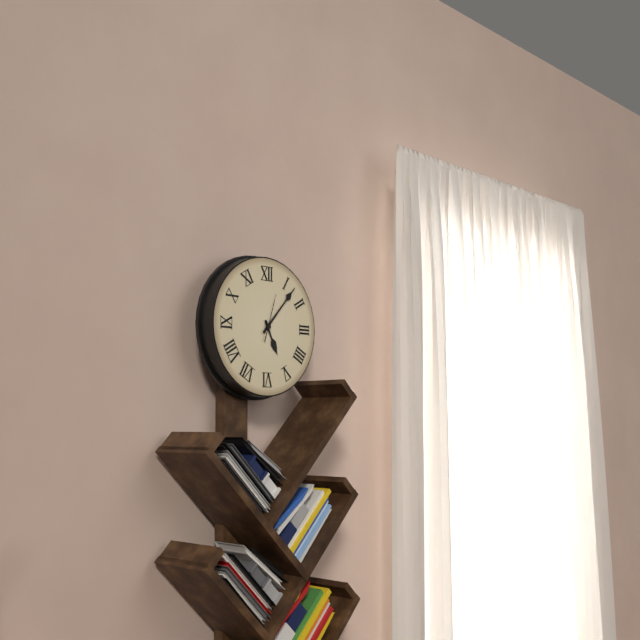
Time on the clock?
5:07
